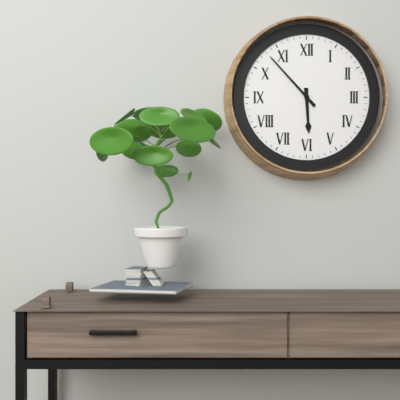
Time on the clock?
5:53
